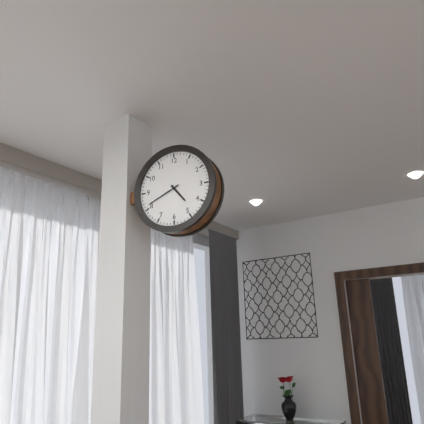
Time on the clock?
4:41
